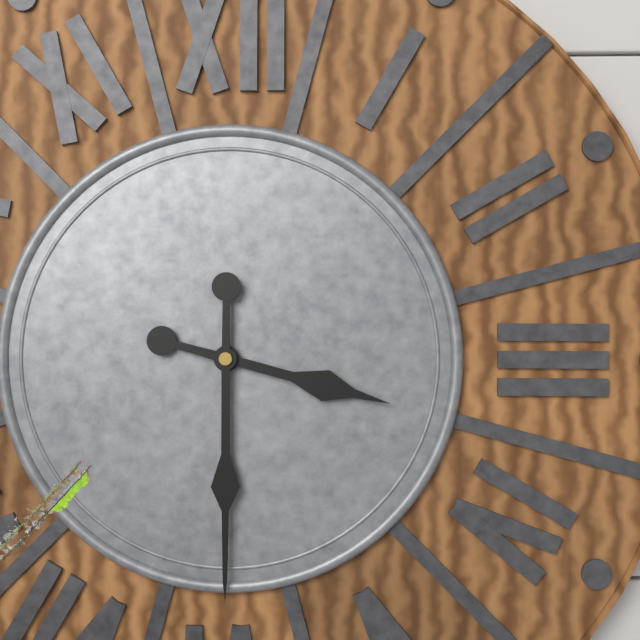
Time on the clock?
3:30
